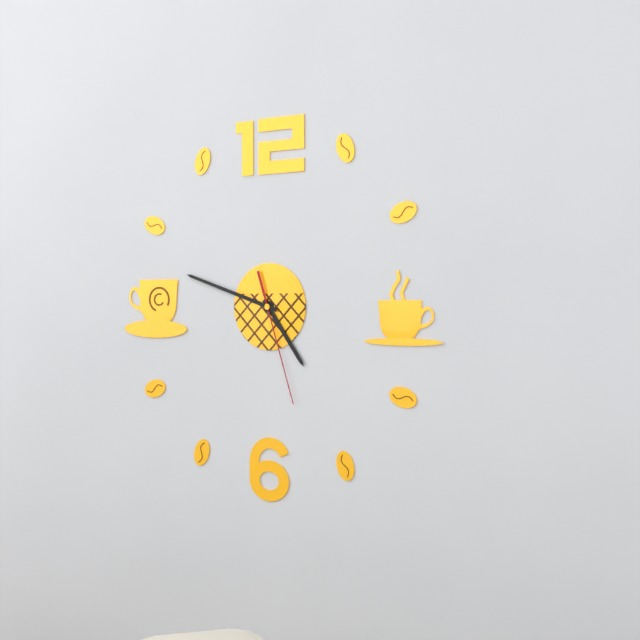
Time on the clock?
4:48:27
